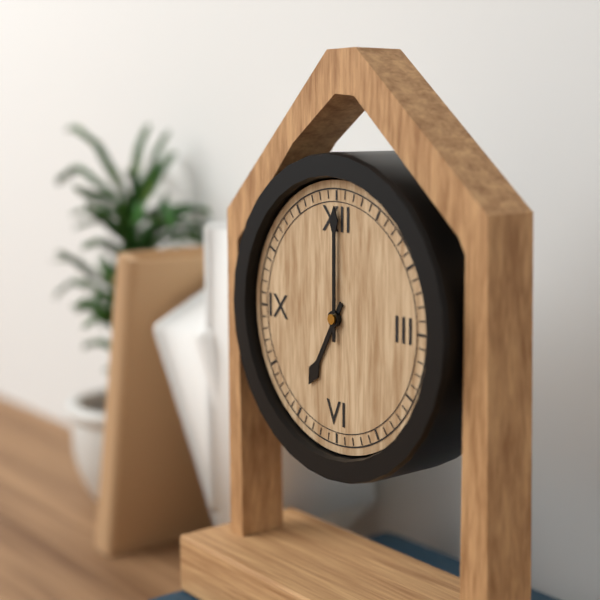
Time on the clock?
7:00
